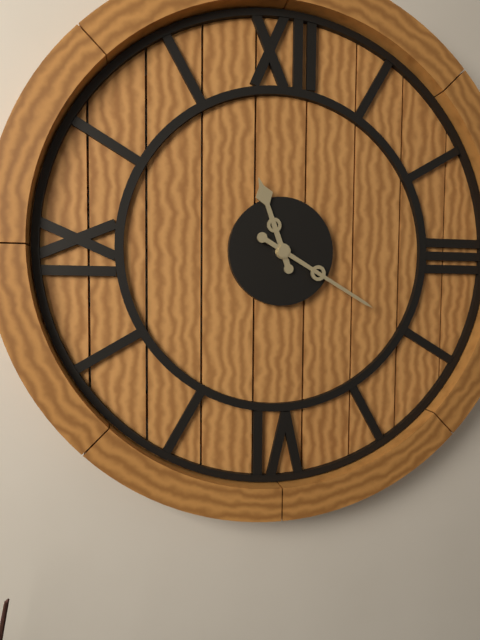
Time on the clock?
11:20
